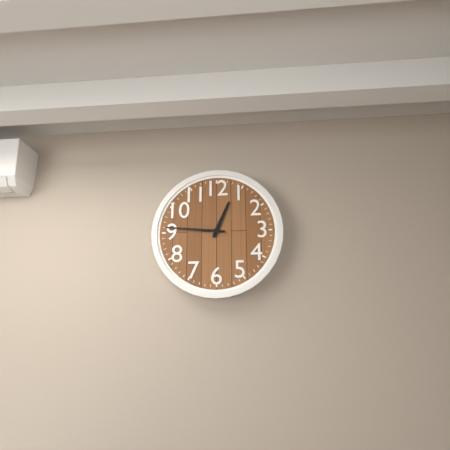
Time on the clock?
12:46
